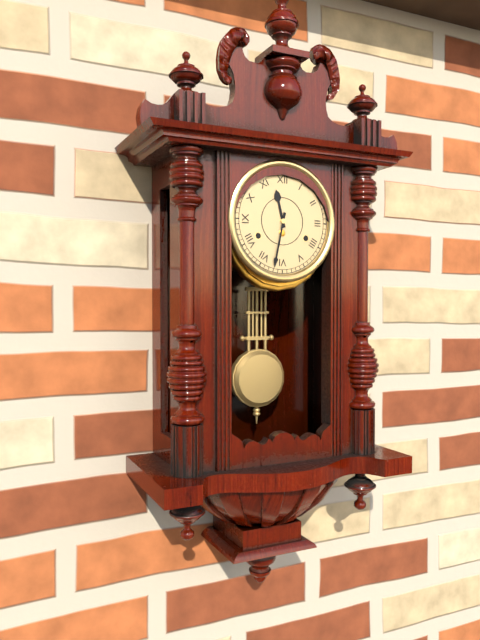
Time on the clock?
11:32
